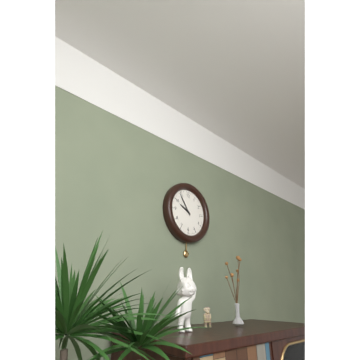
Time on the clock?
9:54
